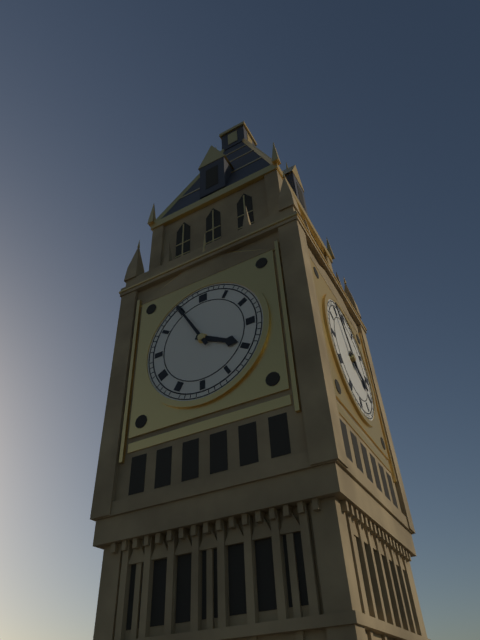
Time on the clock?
3:55
